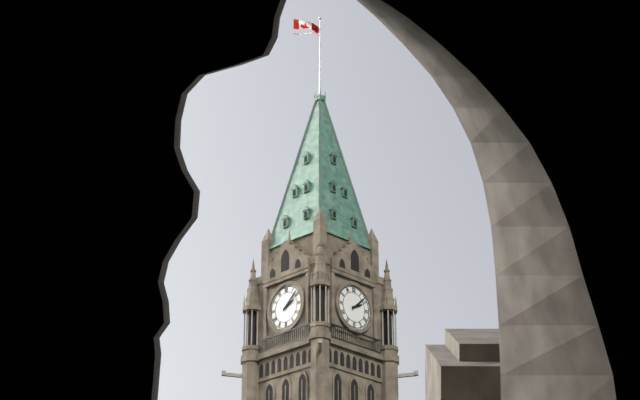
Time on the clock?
2:08
